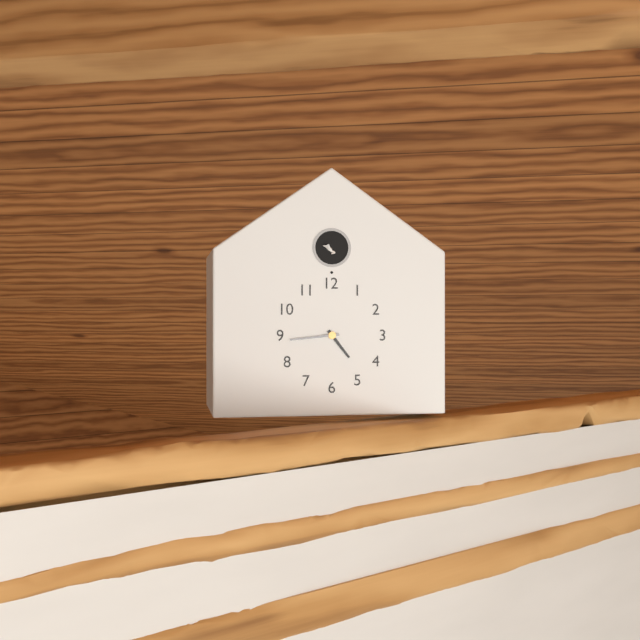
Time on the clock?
4:44
